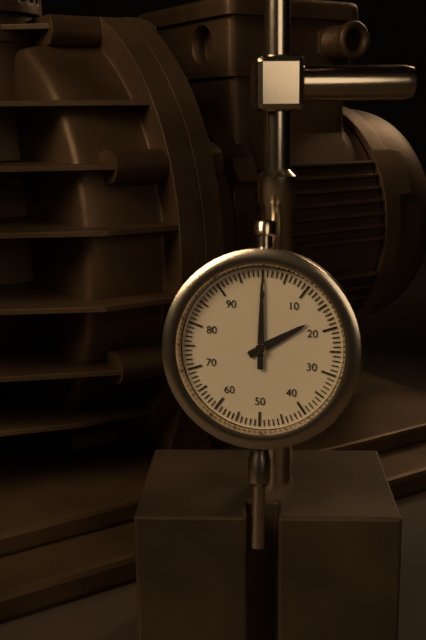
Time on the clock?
2:00
